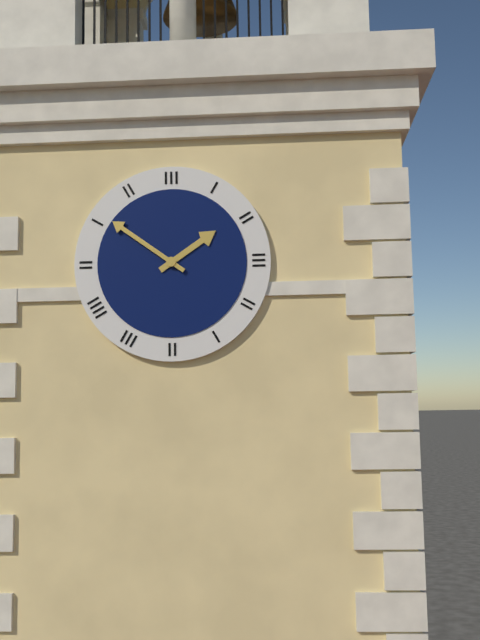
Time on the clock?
1:51
